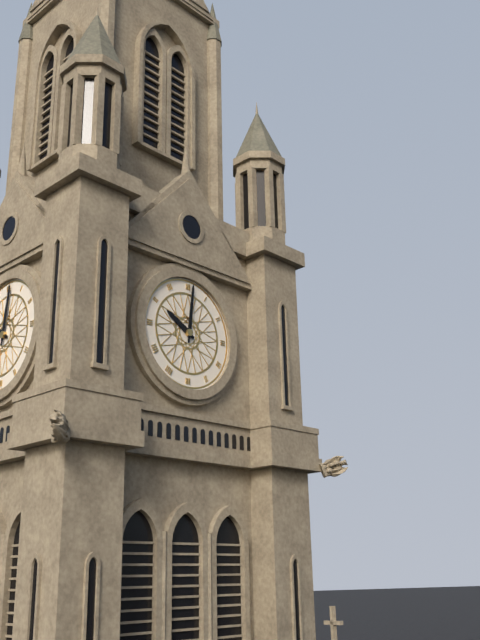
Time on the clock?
10:01
